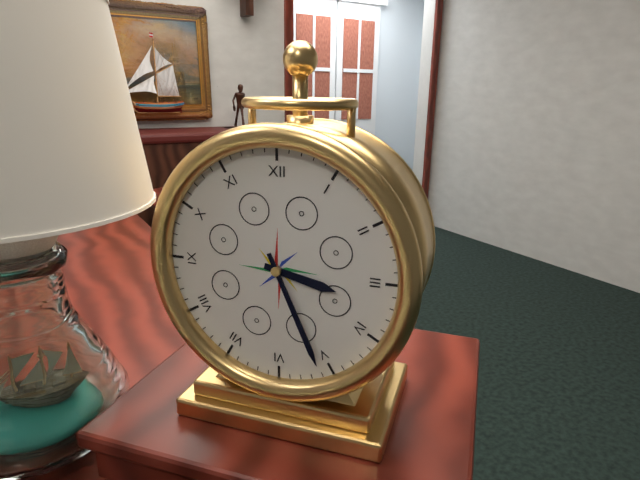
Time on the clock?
3:26
